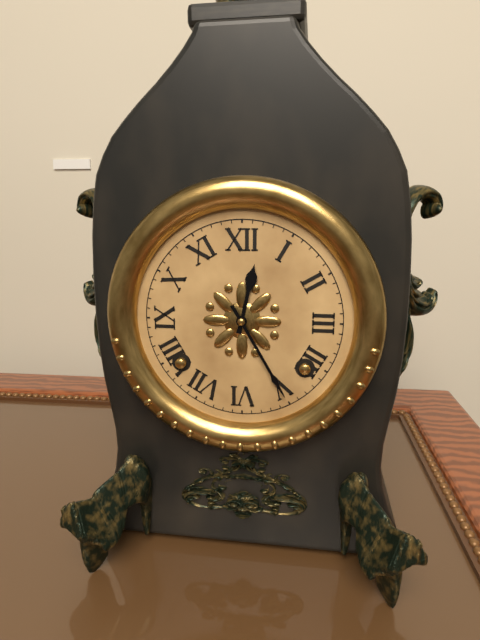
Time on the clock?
12:25
